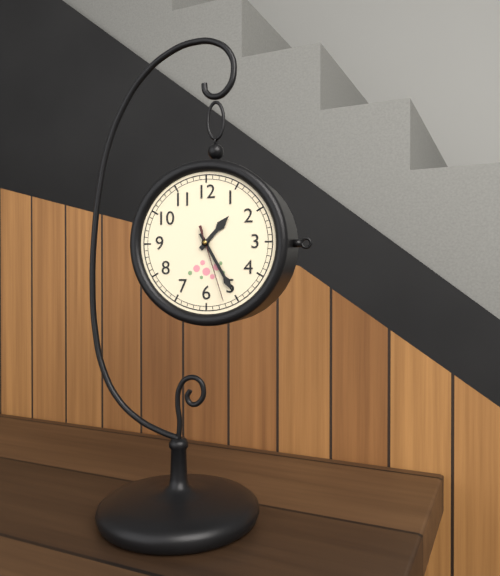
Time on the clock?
1:25:27
